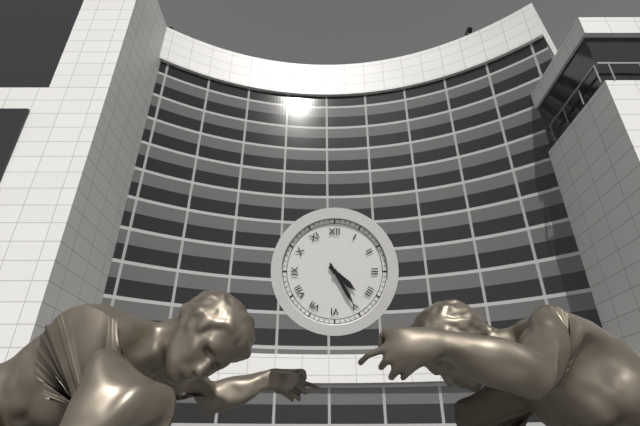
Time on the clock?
4:25
